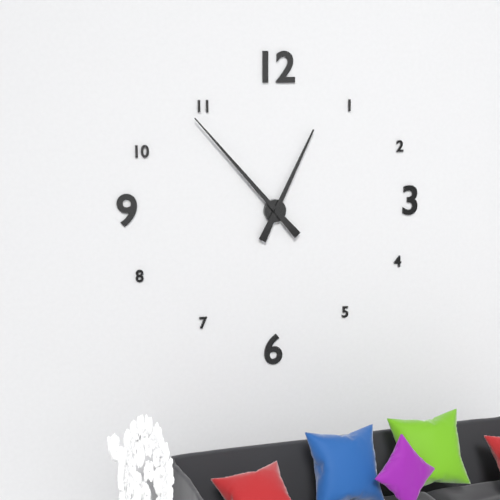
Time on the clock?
12:53
